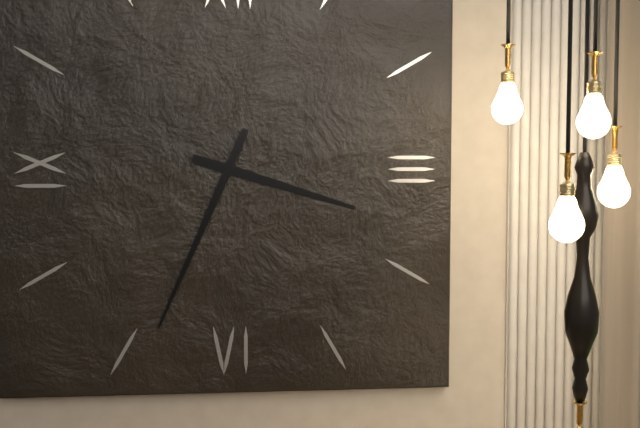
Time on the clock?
3:34
